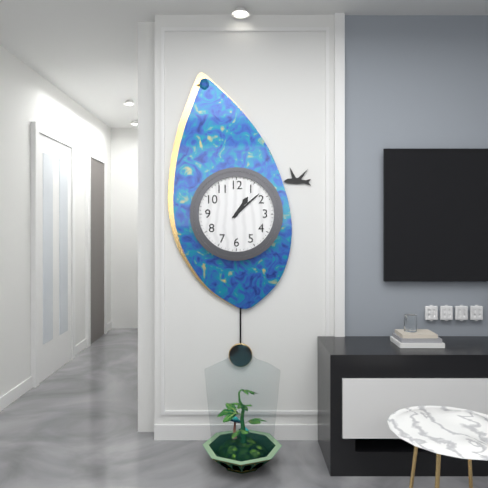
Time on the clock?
1:08
